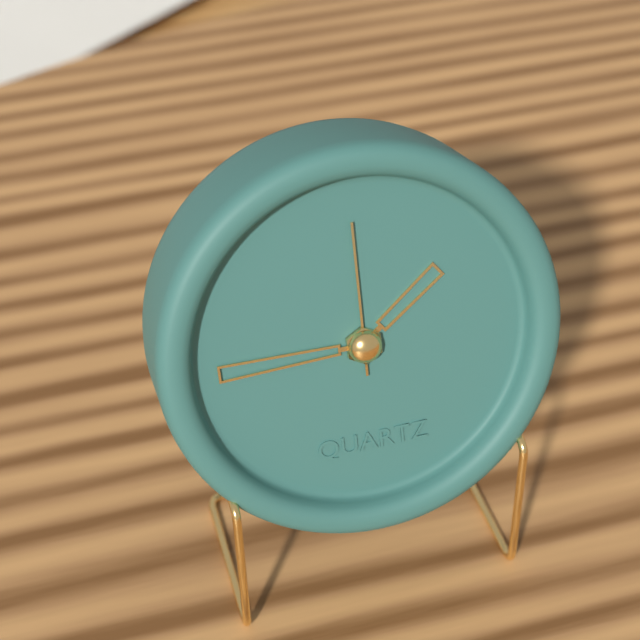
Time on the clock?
1:45:00
